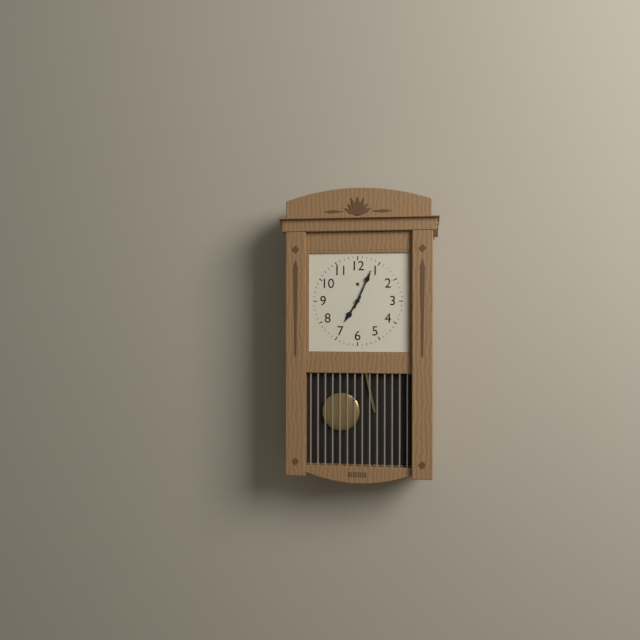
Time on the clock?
7:04
